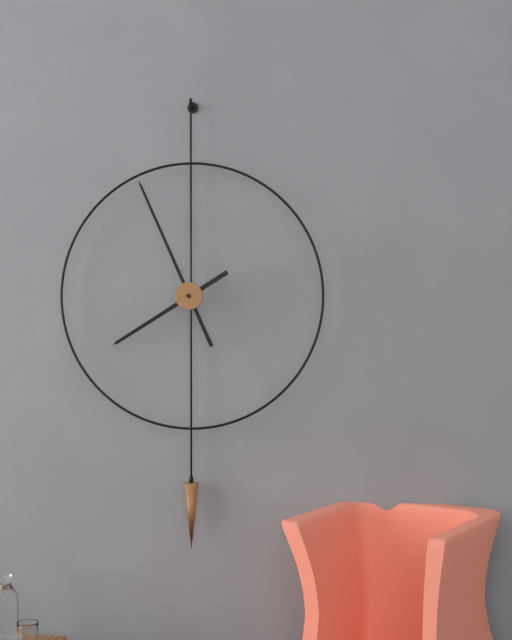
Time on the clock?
7:56
